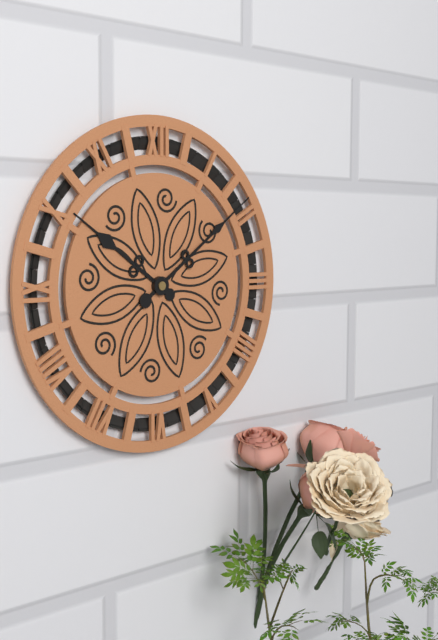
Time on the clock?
10:09
